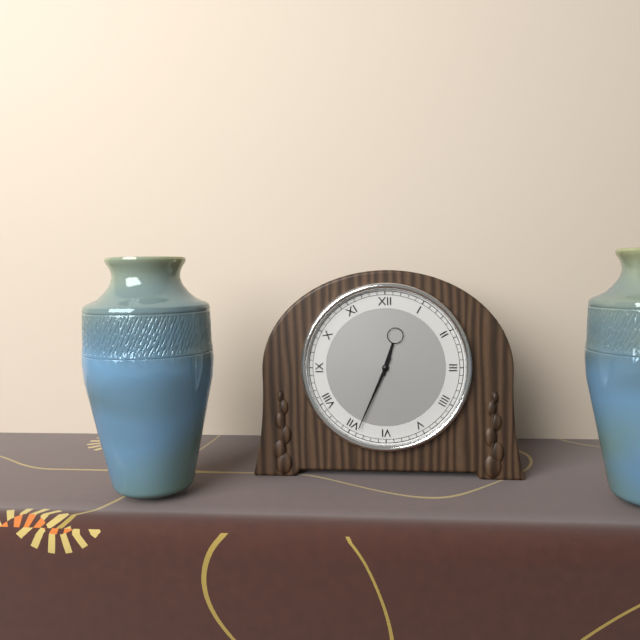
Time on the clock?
12:34
